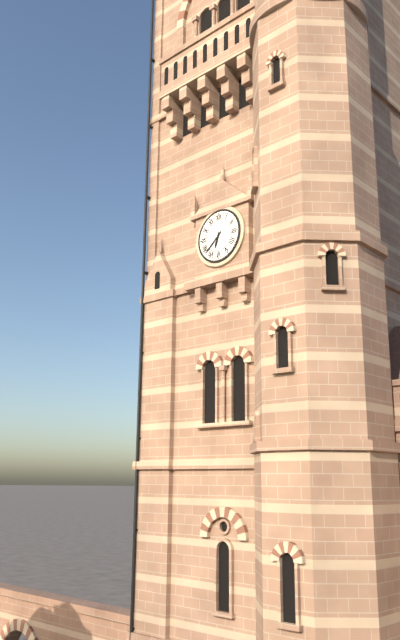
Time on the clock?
6:38
